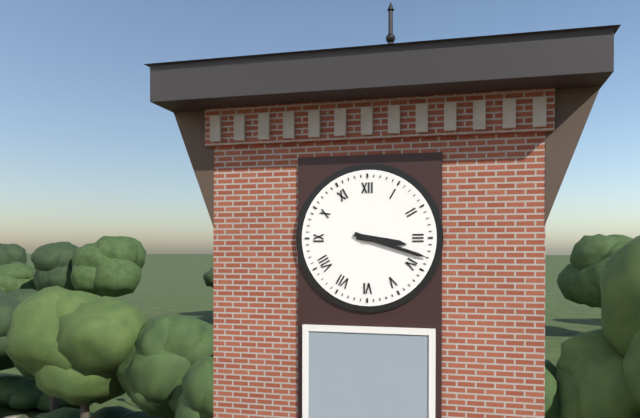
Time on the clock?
3:18
